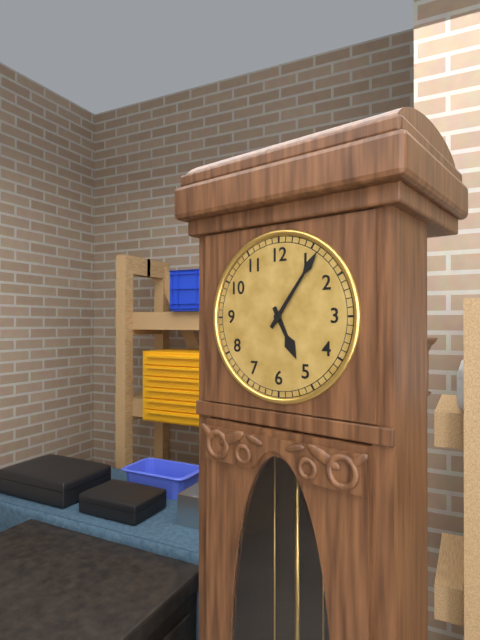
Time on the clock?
5:06
